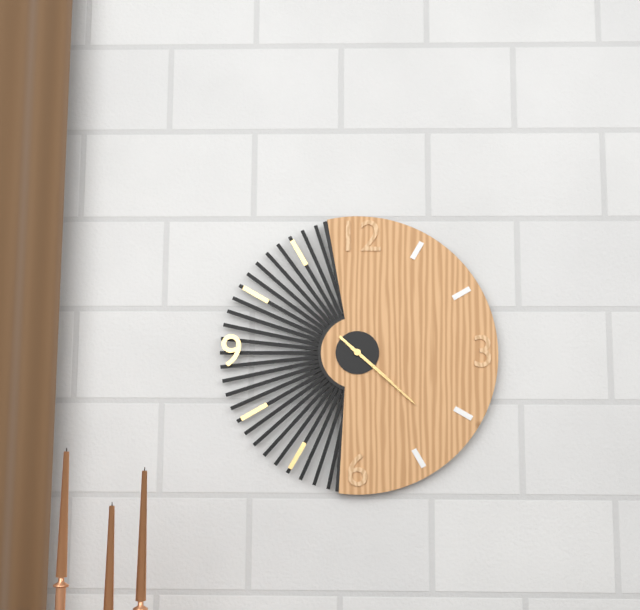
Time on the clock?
4:22
